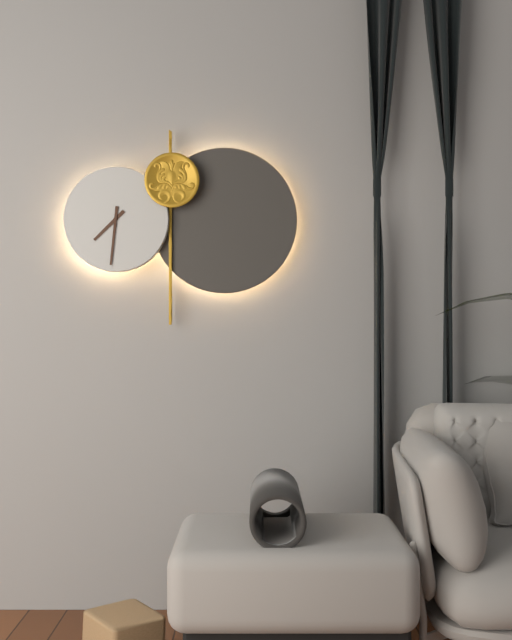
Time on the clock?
7:31
